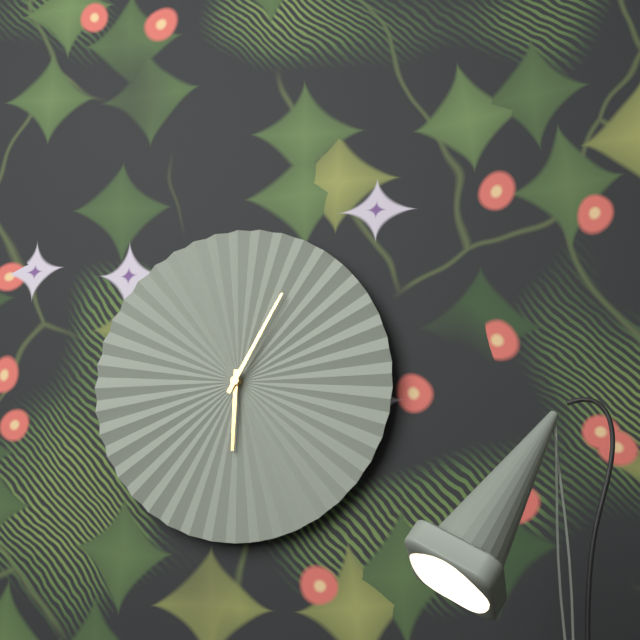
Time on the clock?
6:05
